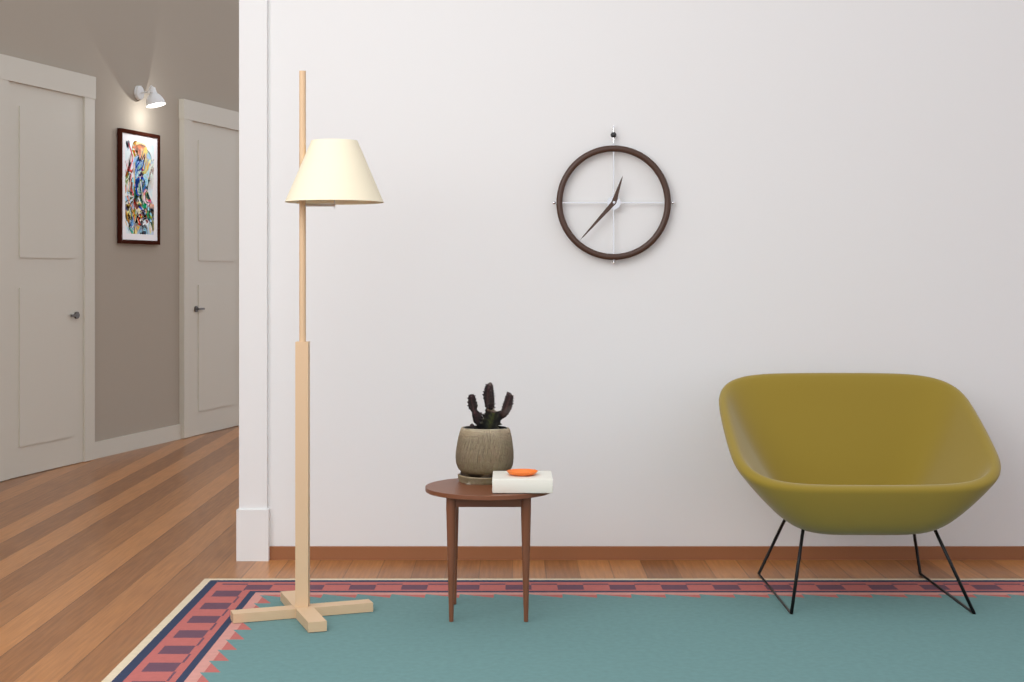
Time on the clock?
12:37
